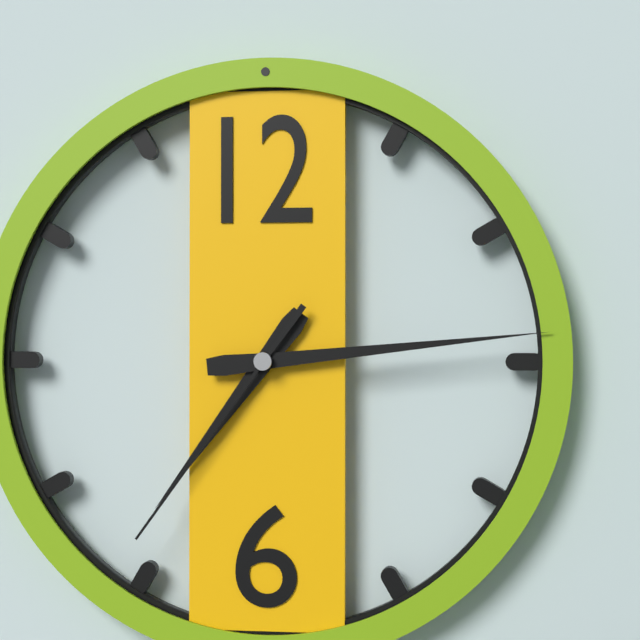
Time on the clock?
7:14:36
